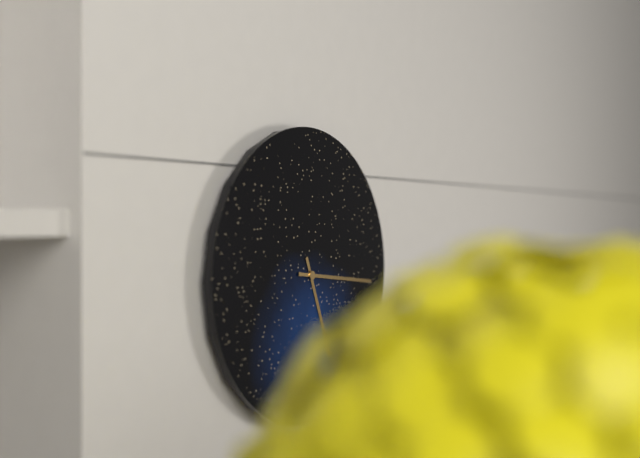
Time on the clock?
5:16
